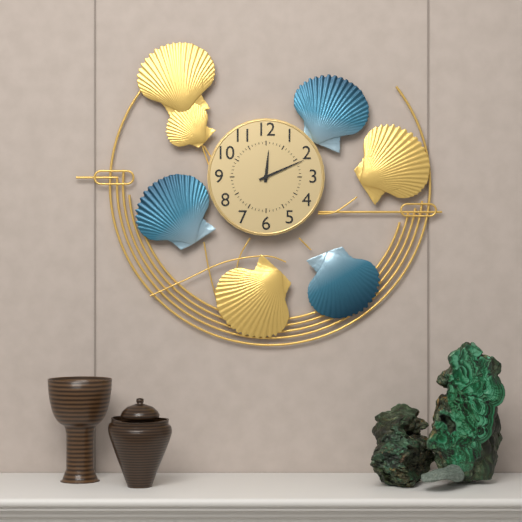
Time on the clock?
12:11
